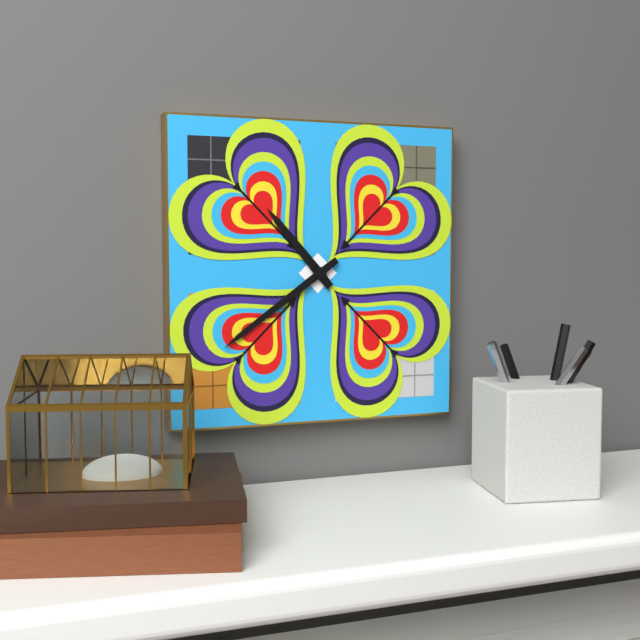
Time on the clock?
10:39
